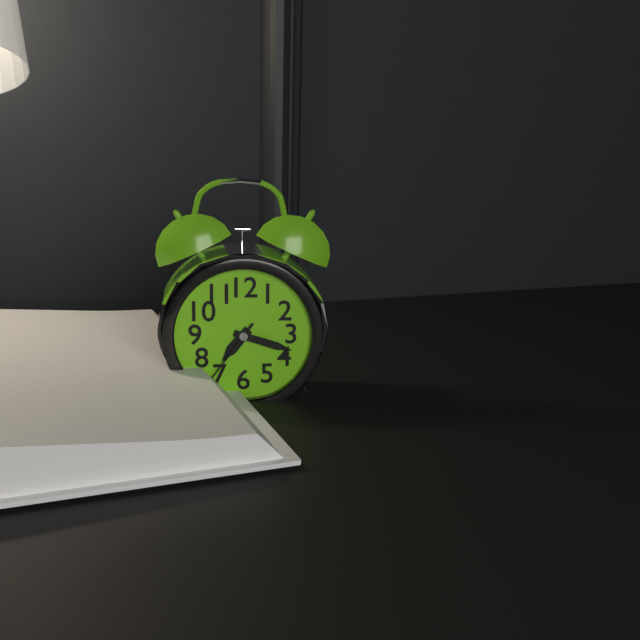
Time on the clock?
7:18:36
